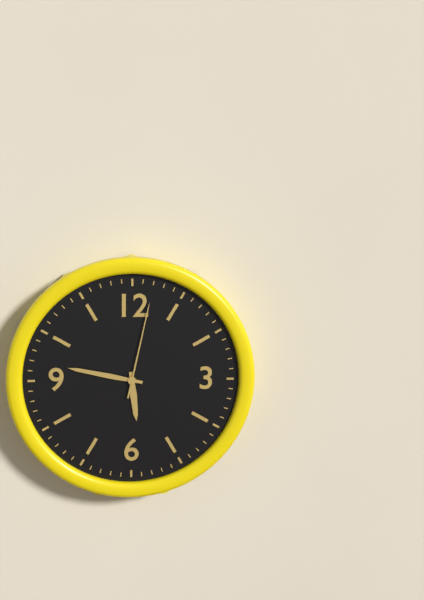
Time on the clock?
5:47:02
